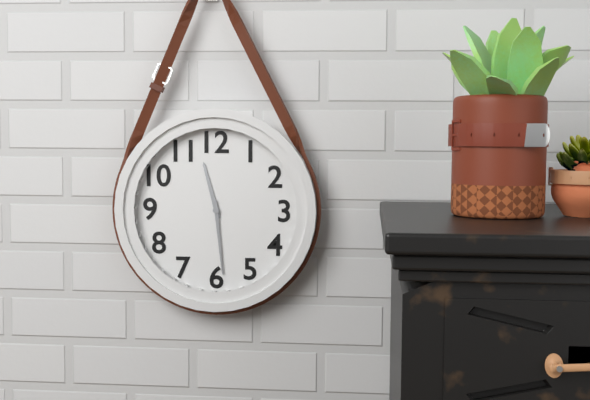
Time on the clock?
11:29
